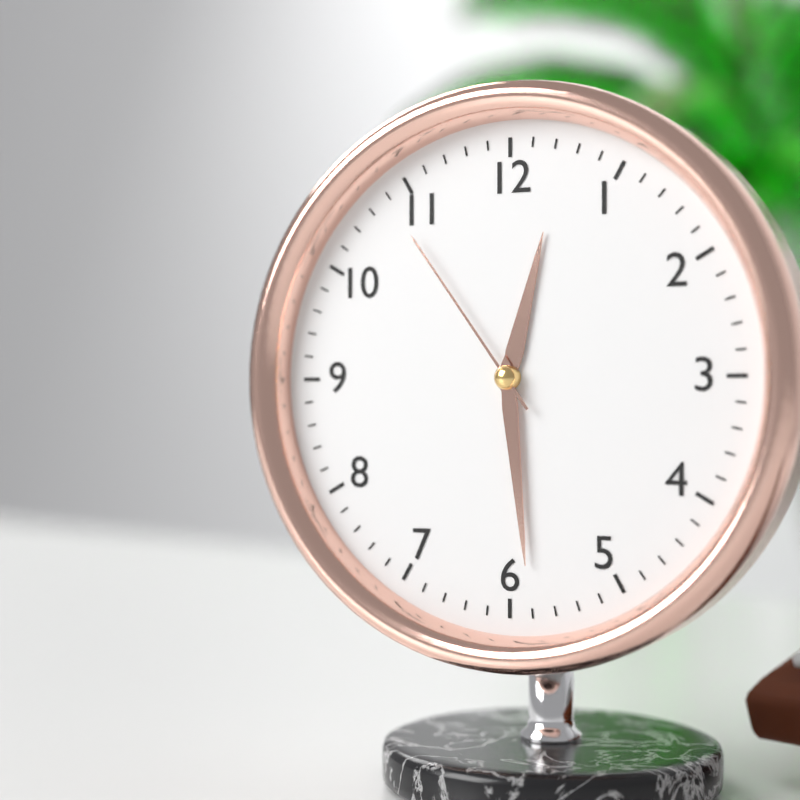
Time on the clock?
12:29:54
